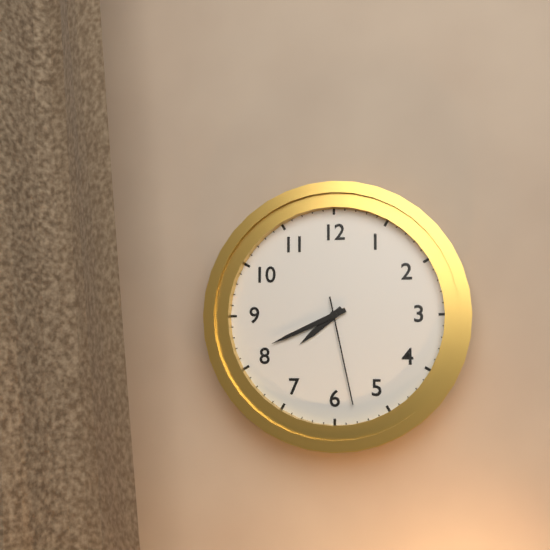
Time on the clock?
7:41:28
